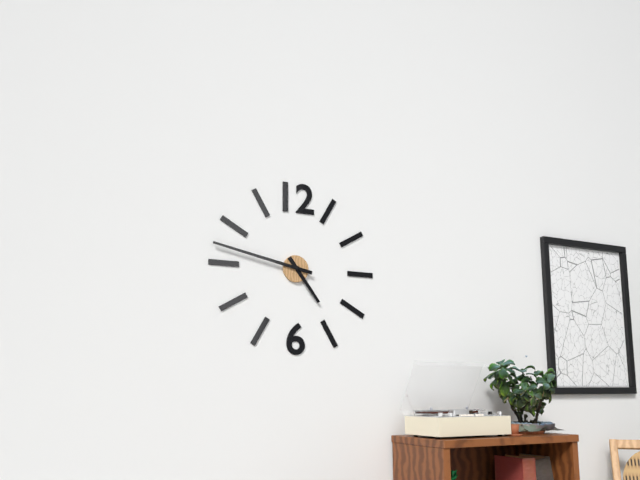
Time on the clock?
4:47
